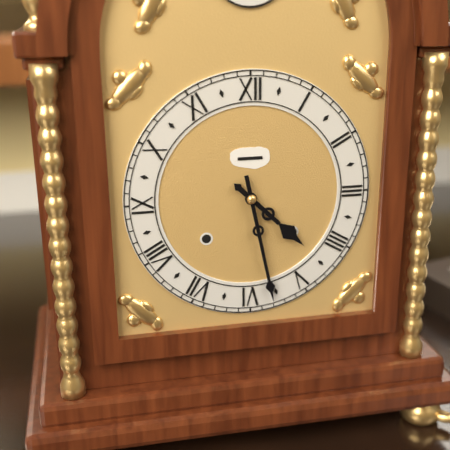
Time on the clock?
4:28
